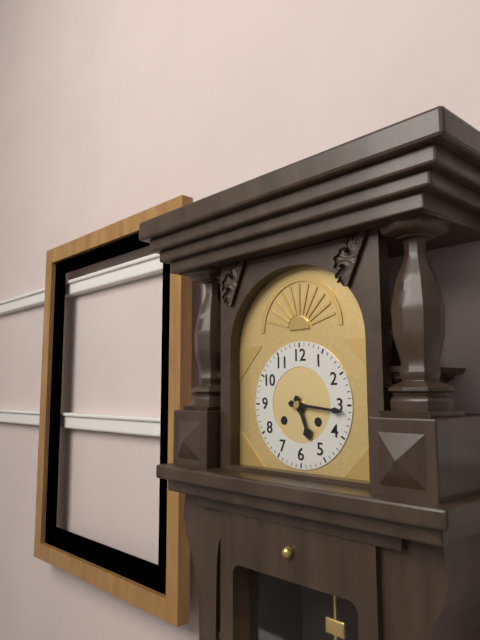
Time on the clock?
5:16
